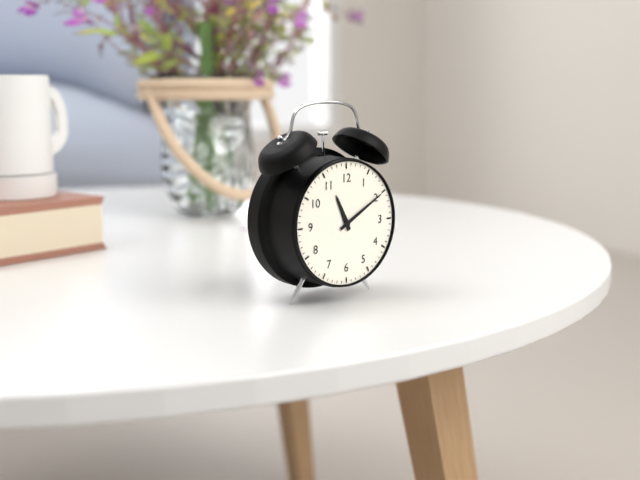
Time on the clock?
11:10
